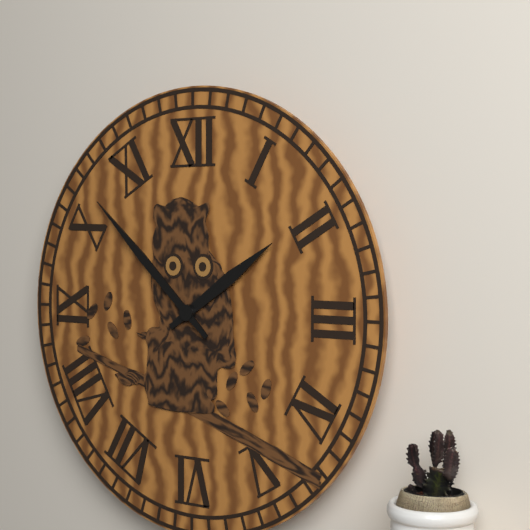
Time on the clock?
1:52
